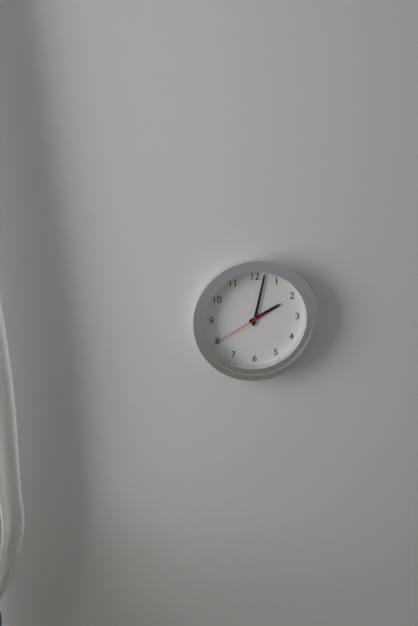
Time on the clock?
2:02:40
